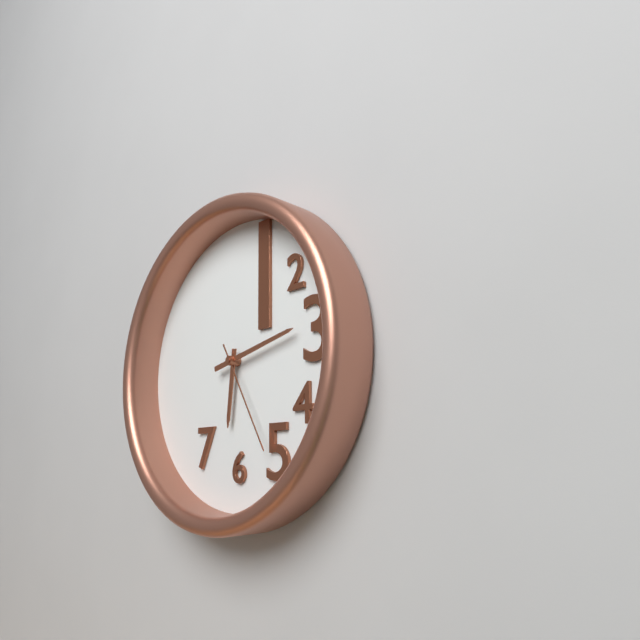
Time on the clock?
6:13:25
